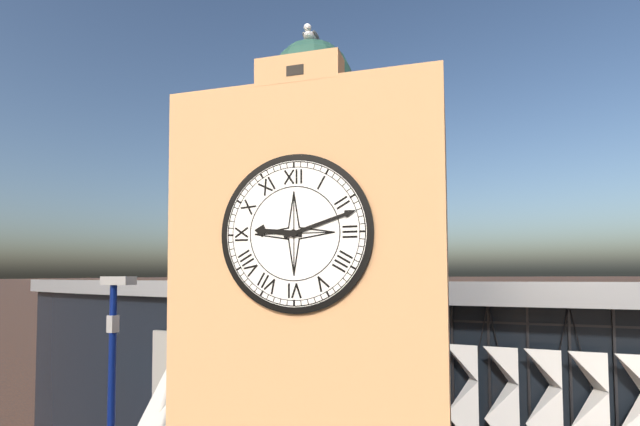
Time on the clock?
9:12
